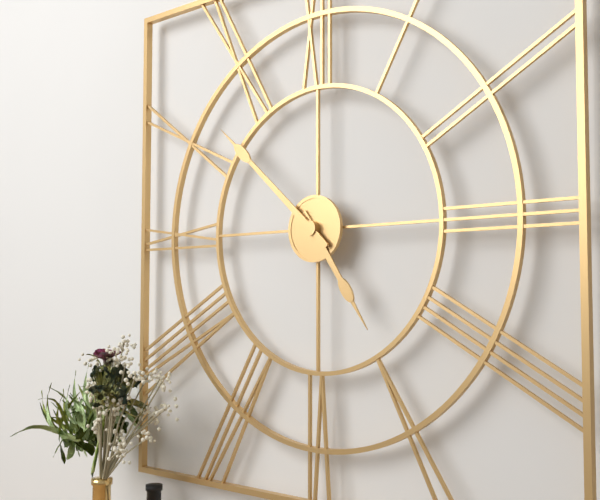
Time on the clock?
4:52
